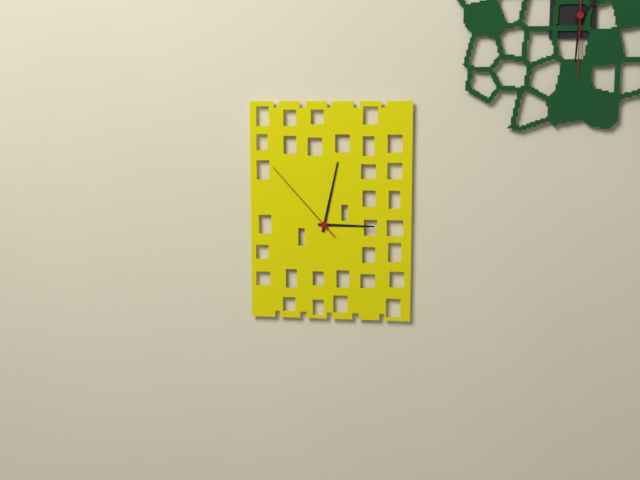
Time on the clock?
3:02:53
